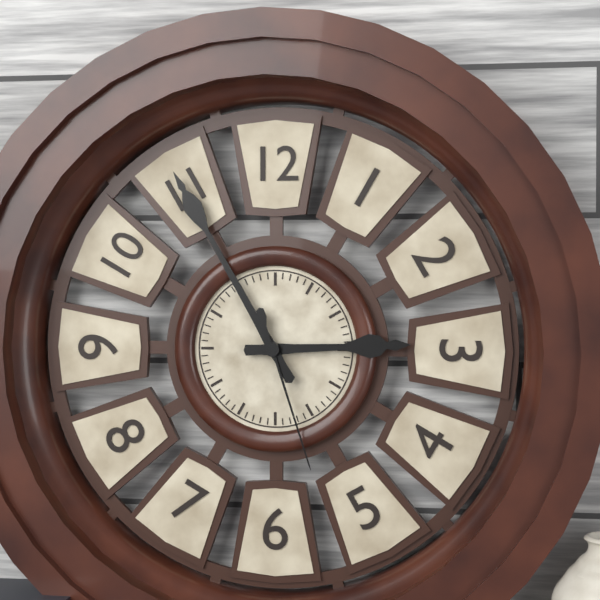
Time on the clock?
2:55:27
